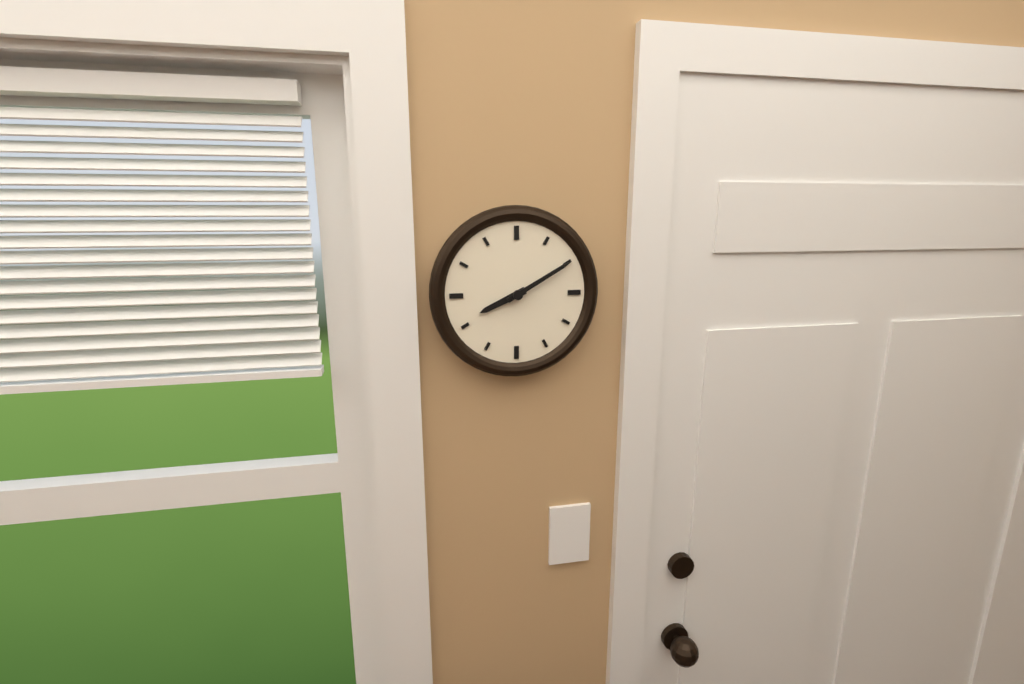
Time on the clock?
8:10
